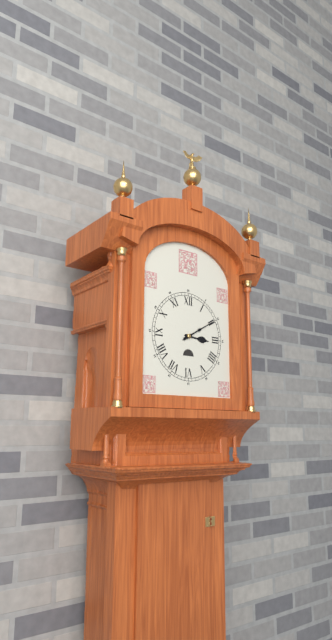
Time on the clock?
3:10
